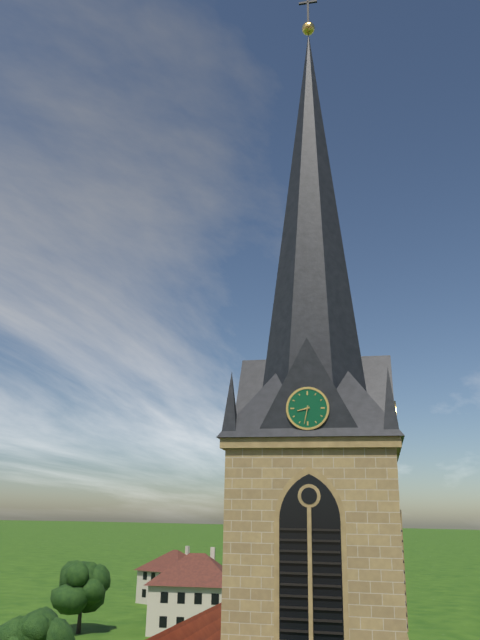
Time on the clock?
8:32
